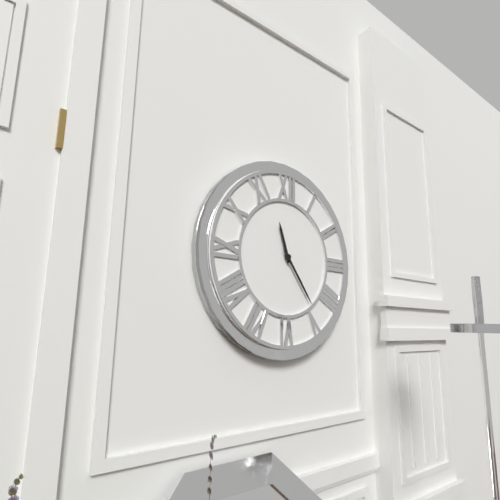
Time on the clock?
11:24
